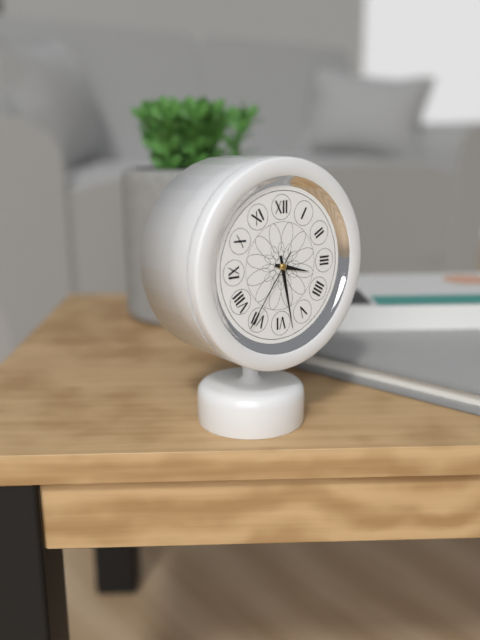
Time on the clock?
3:28:36
